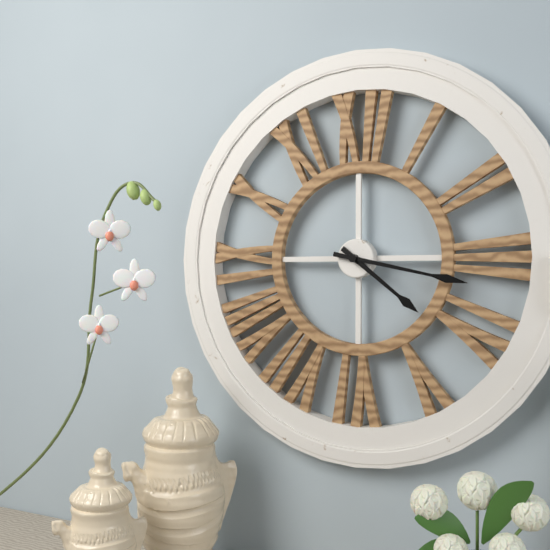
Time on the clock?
4:17
